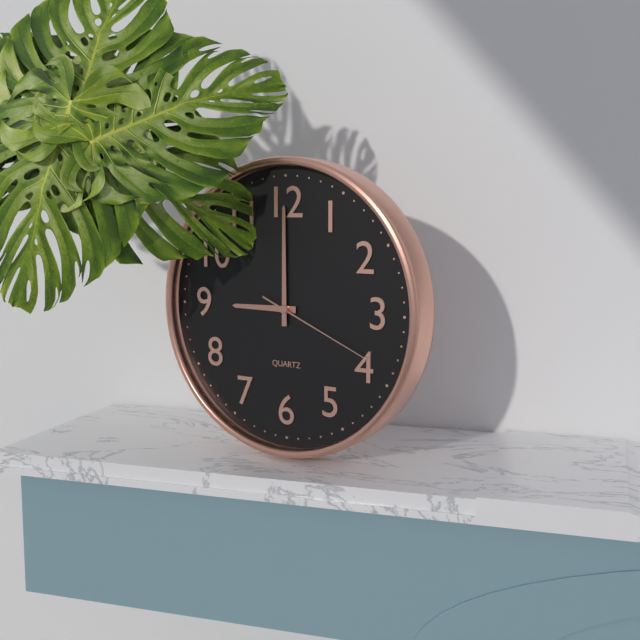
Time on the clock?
9:00:19
